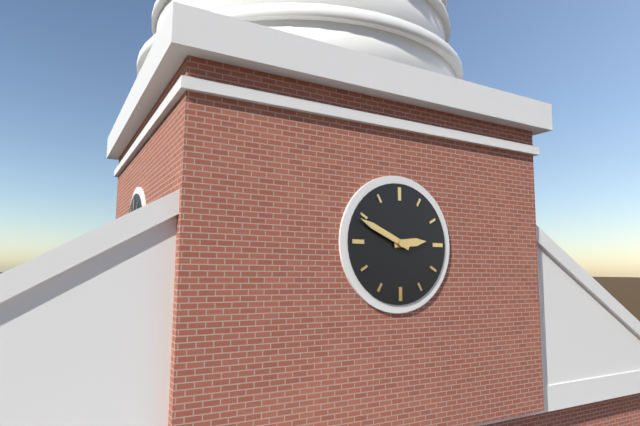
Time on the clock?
2:49
